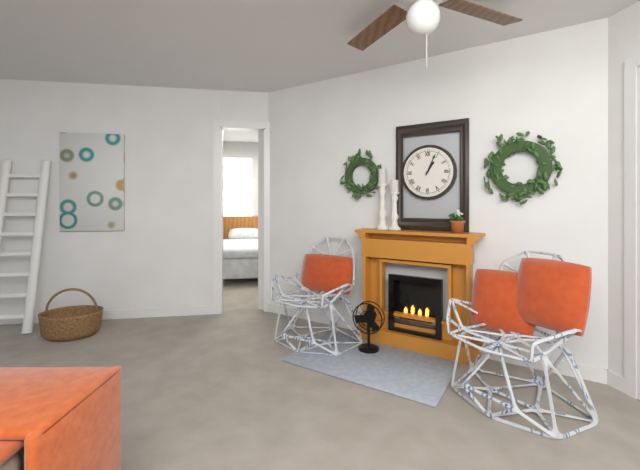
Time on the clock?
1:04
